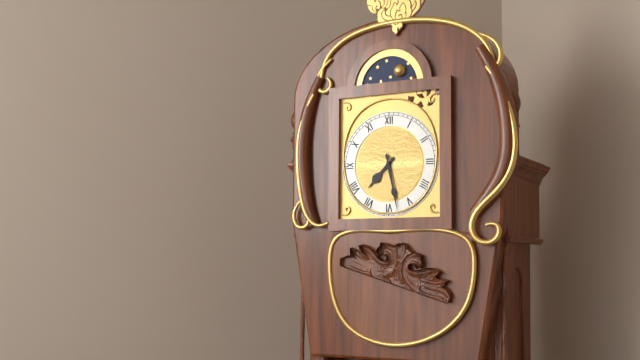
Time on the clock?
7:28
